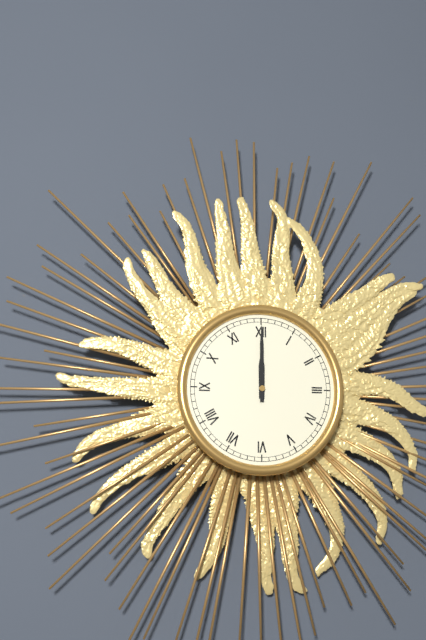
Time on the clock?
12:00
